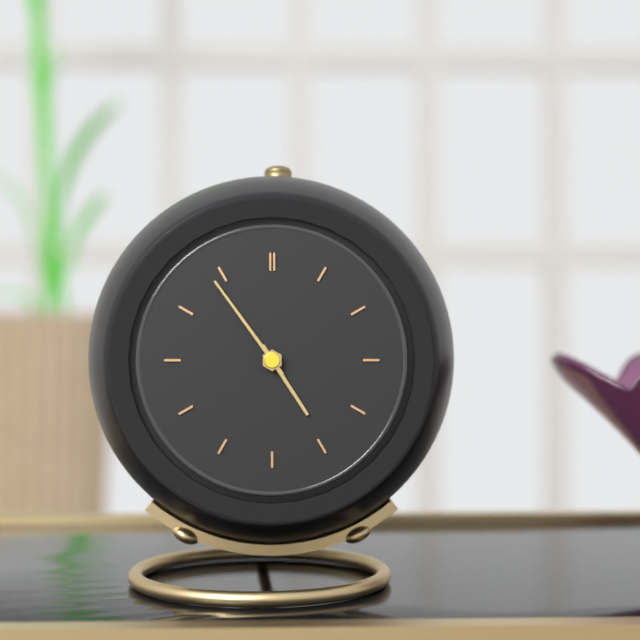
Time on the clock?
4:54
